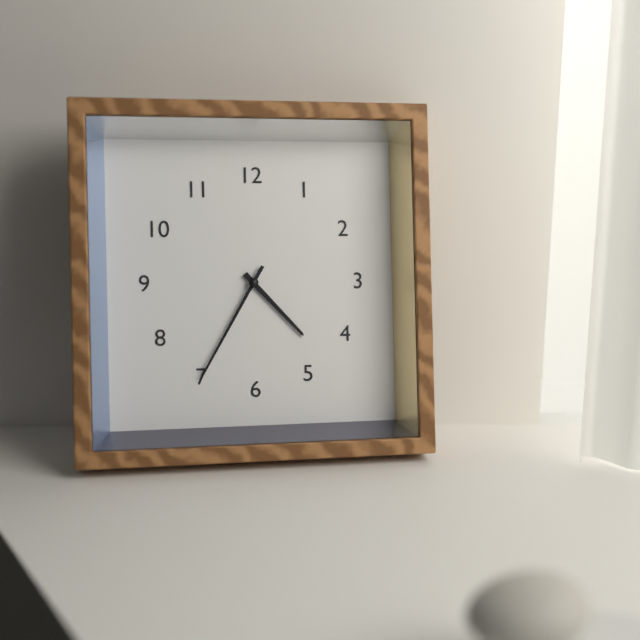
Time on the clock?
4:35
